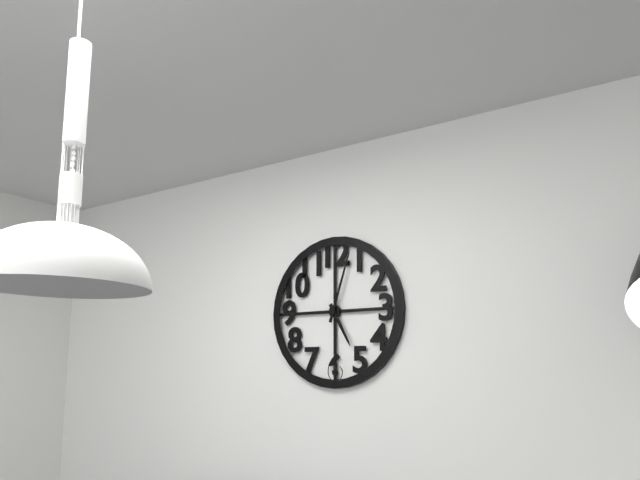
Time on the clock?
5:03
